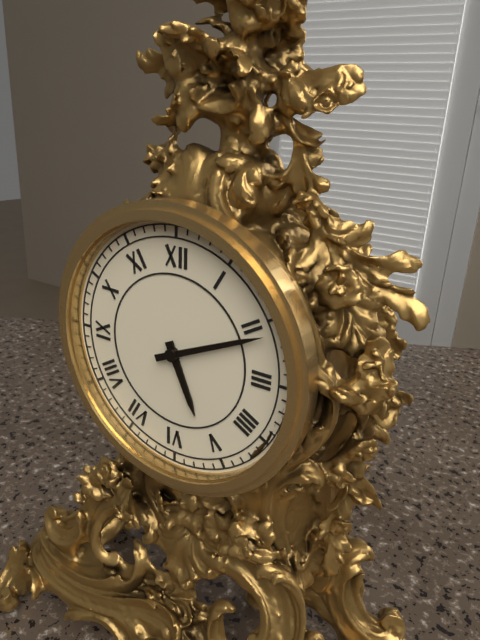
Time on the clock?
5:11
